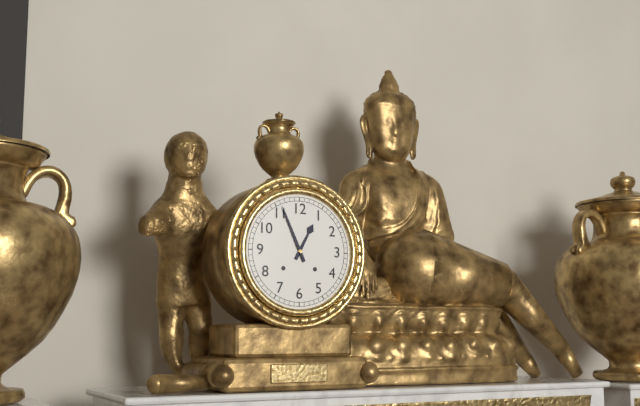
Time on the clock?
12:56
